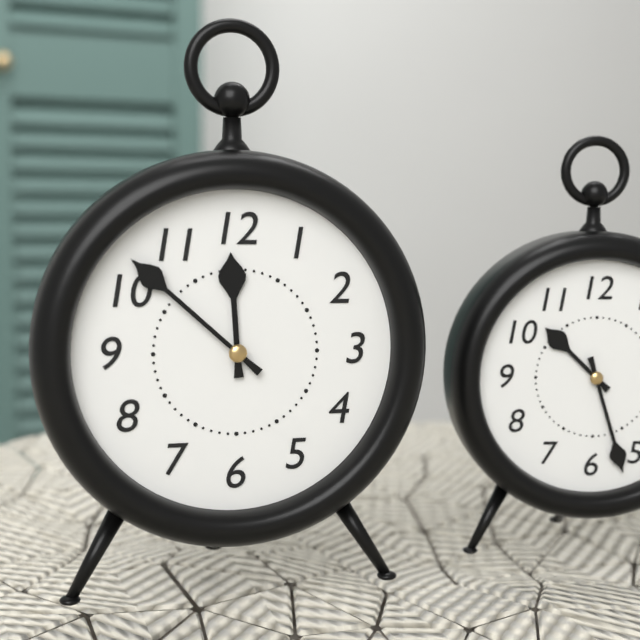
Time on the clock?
11:52
